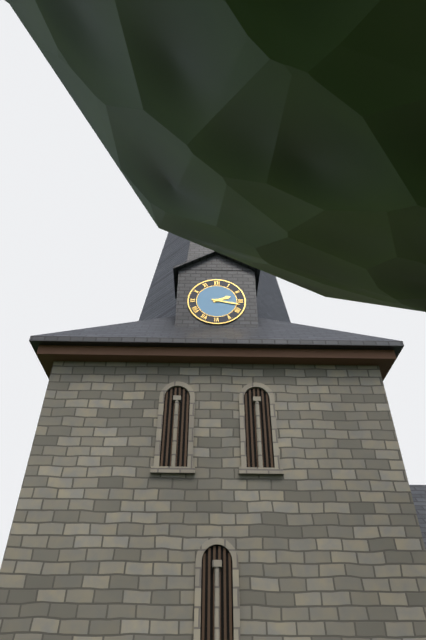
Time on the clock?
2:17
